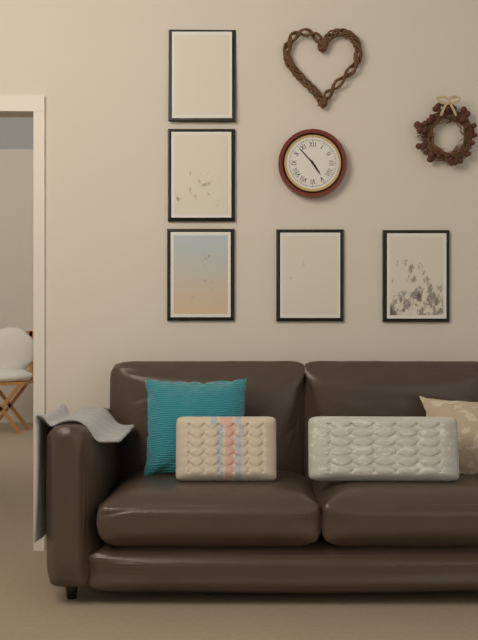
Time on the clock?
4:53
